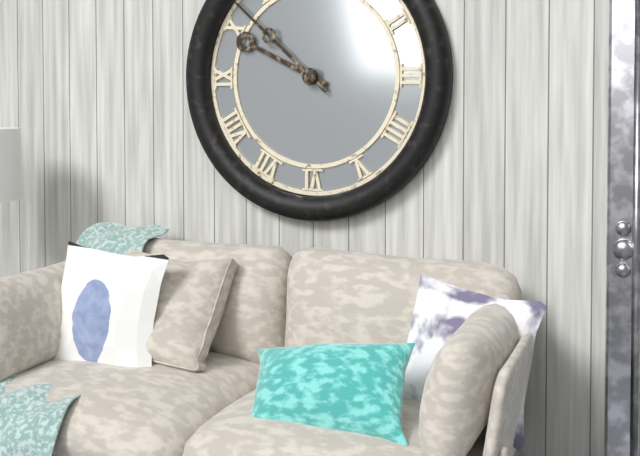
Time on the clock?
9:52
